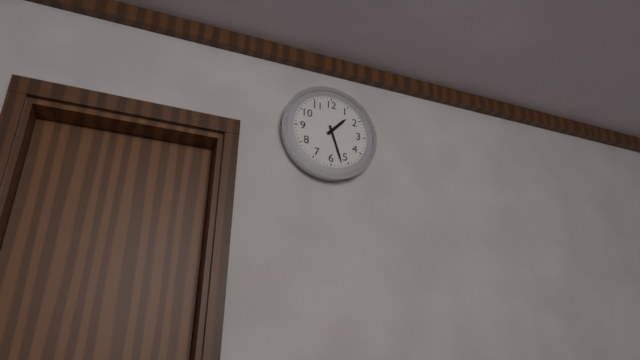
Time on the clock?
1:27
